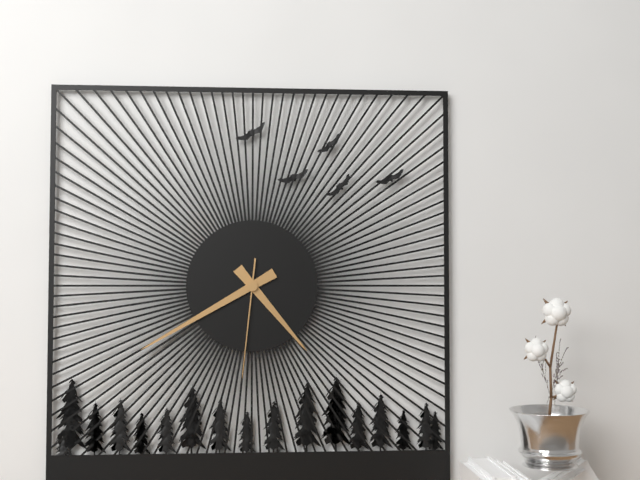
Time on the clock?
4:40:31
